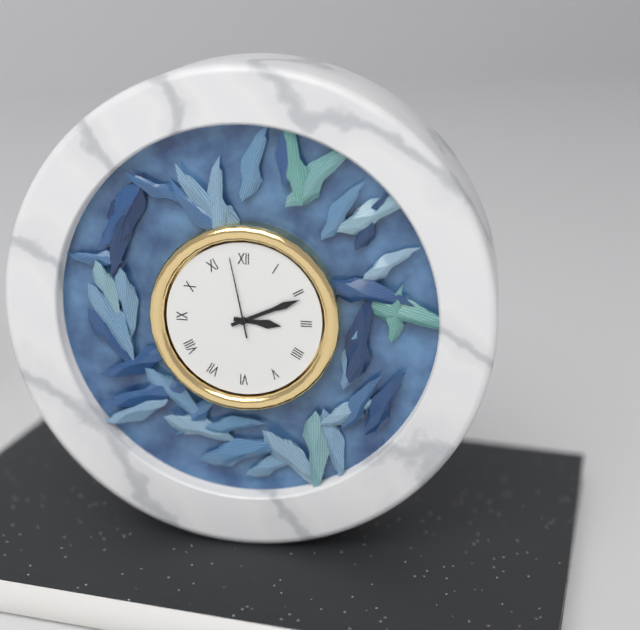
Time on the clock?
3:11:58
